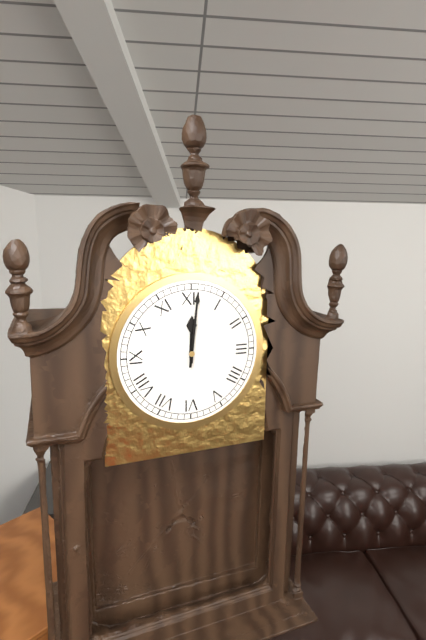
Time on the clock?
12:01
